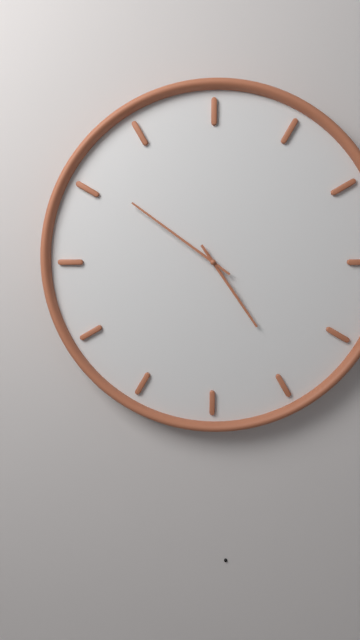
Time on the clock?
4:51:24
